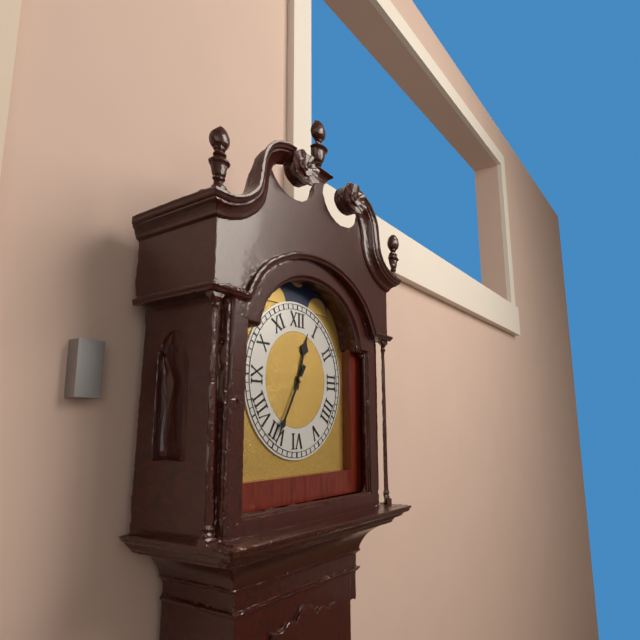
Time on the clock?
12:35
